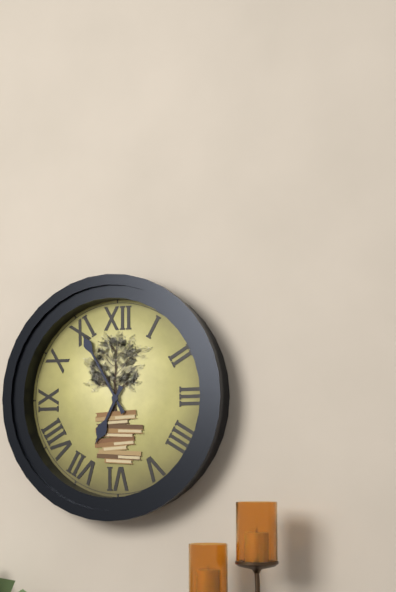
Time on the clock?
6:55
